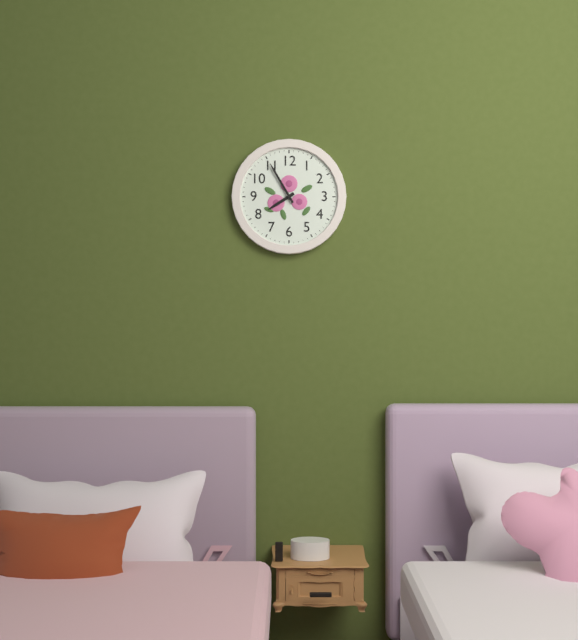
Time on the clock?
7:55
